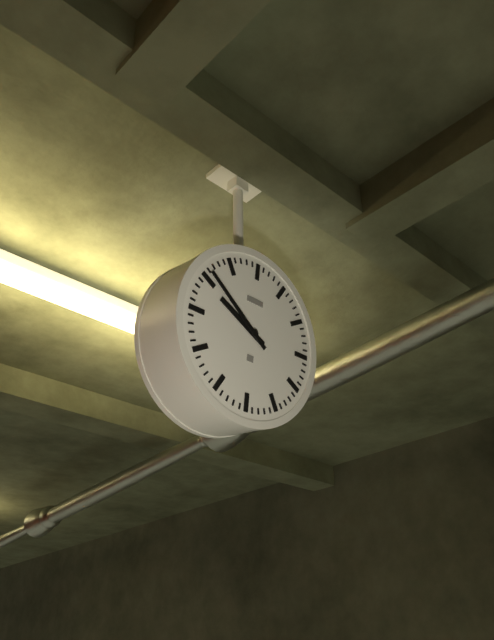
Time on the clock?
9:51
